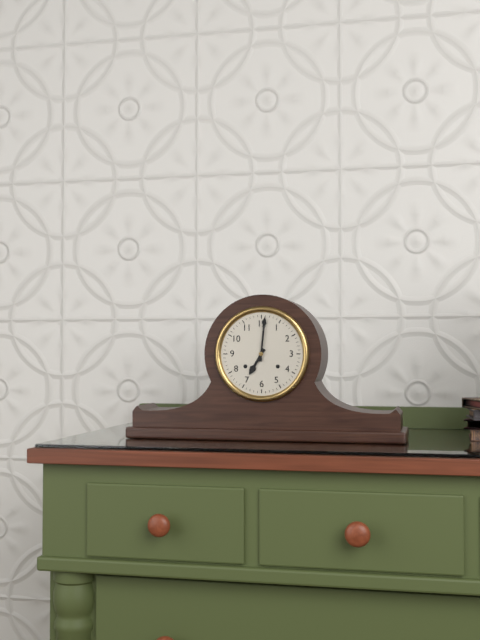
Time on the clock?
7:01
